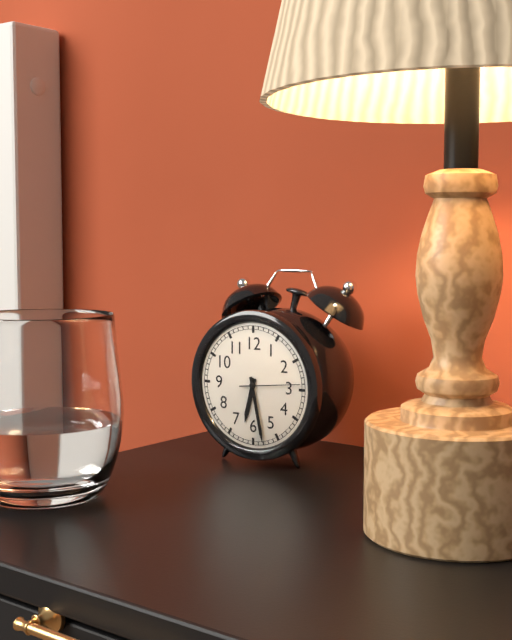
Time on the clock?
6:28:14
